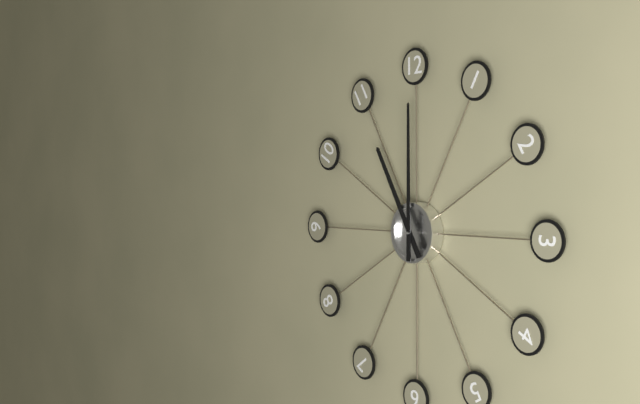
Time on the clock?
11:00
